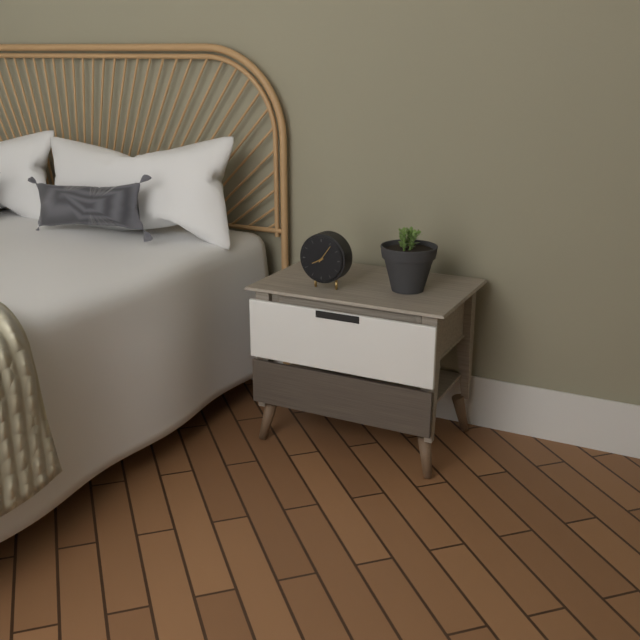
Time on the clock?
8:06
